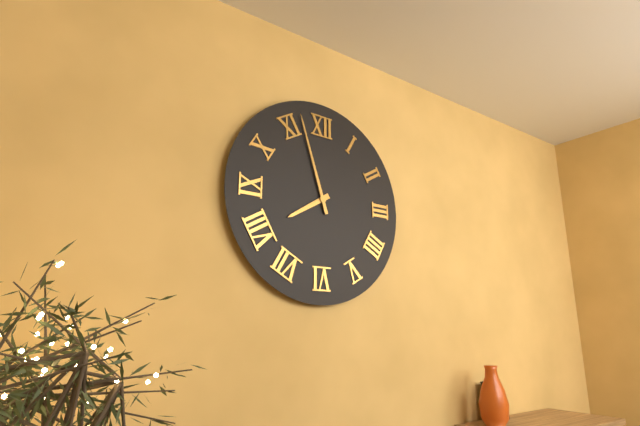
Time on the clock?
7:57
